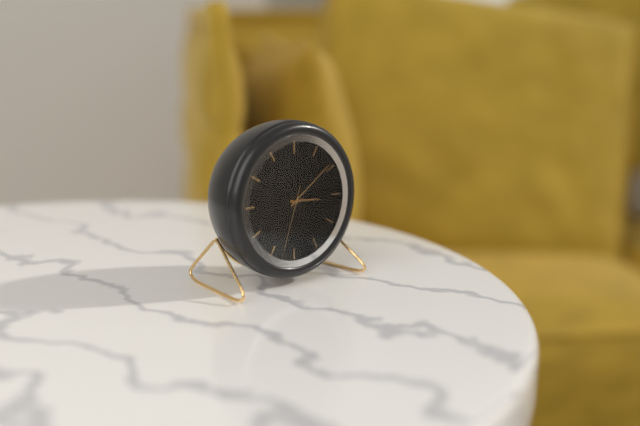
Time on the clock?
3:09:33
